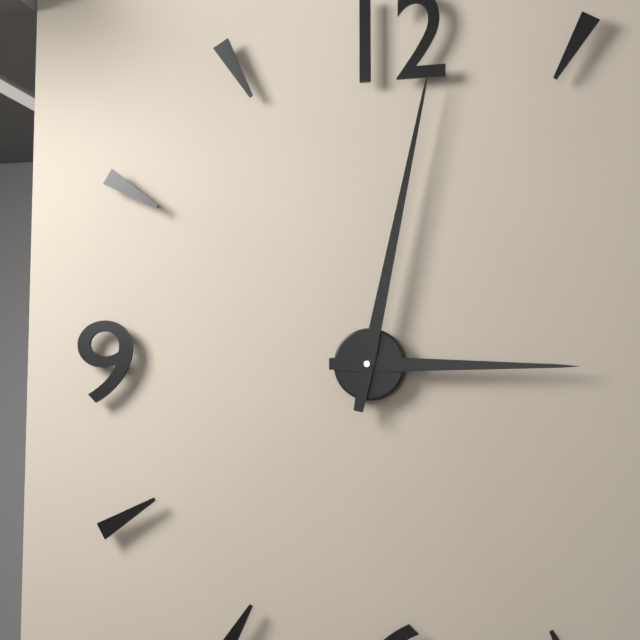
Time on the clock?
3:02
